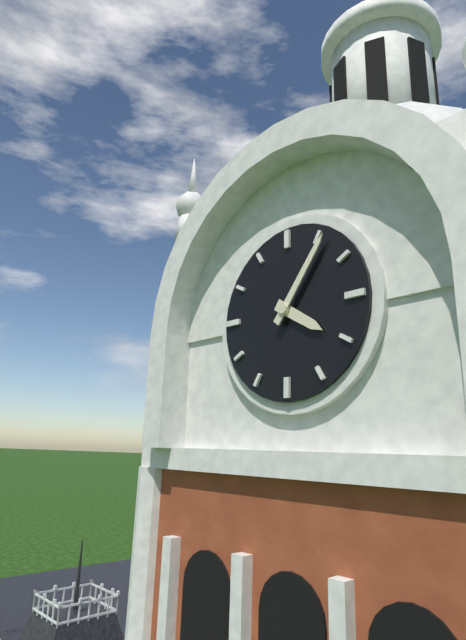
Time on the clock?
4:06
